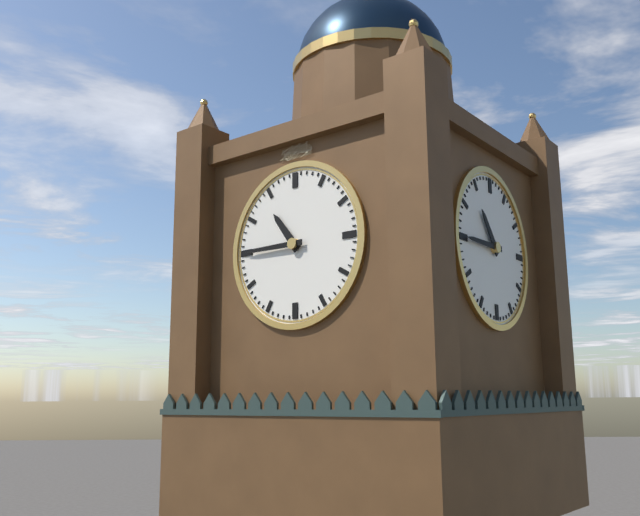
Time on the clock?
10:45
